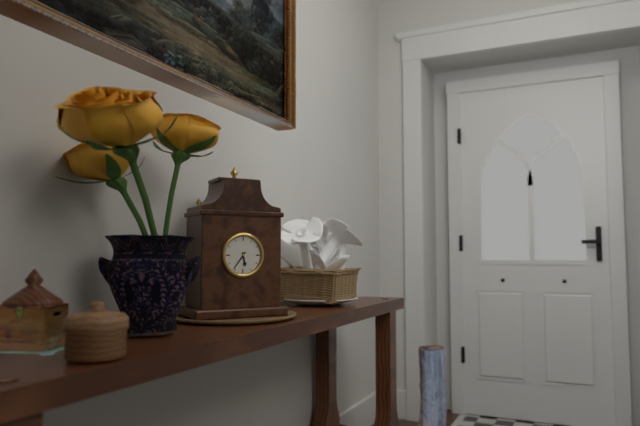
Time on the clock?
5:36
